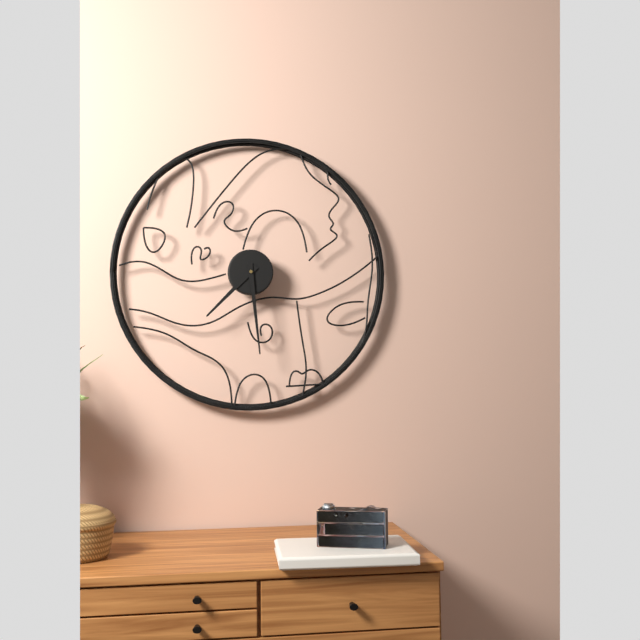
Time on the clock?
7:29
